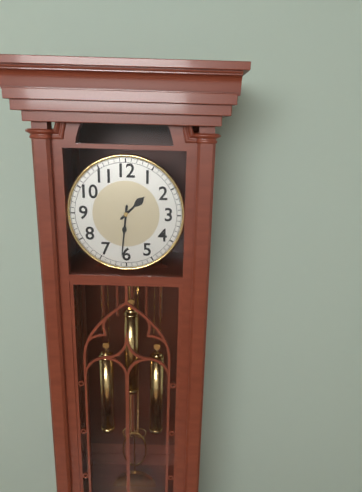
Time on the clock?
1:31
